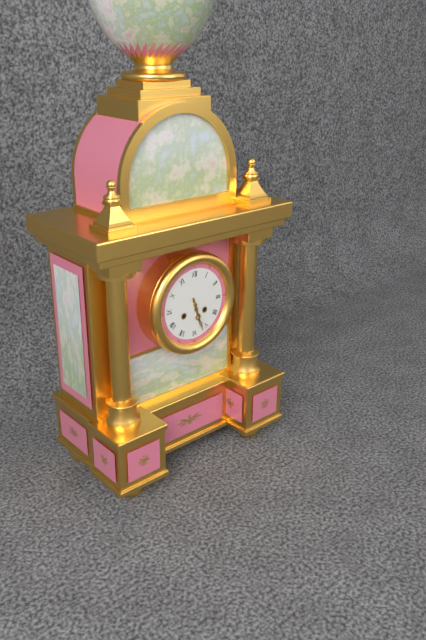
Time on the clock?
5:27
